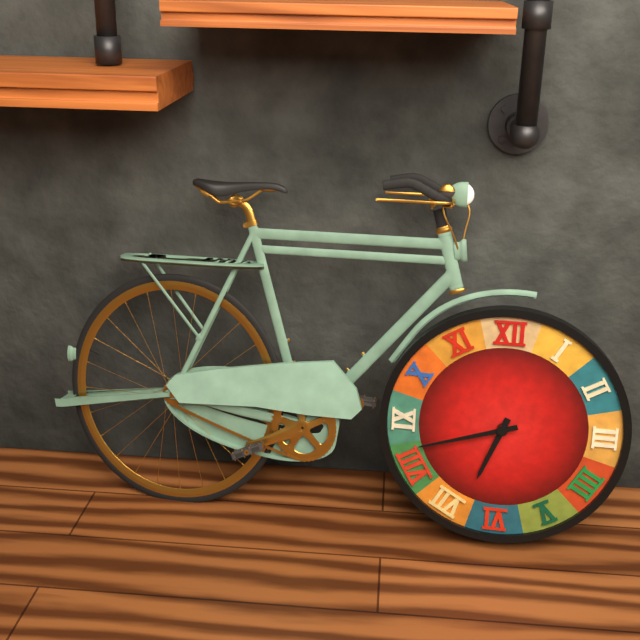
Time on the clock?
6:42
